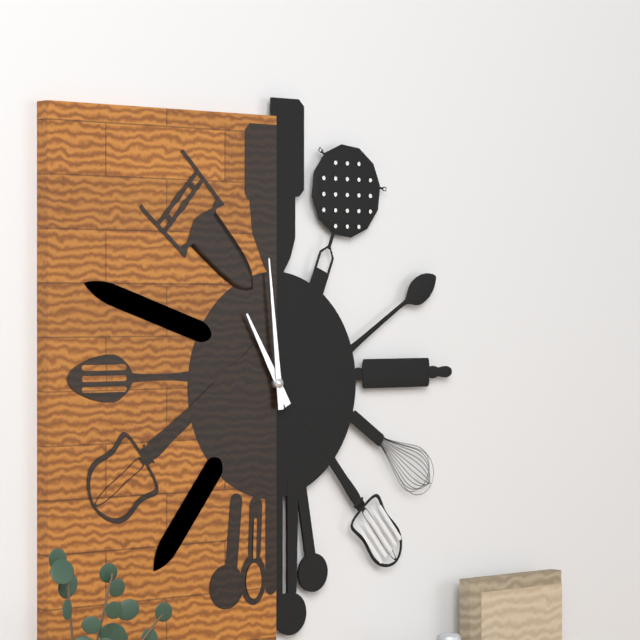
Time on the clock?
10:59
